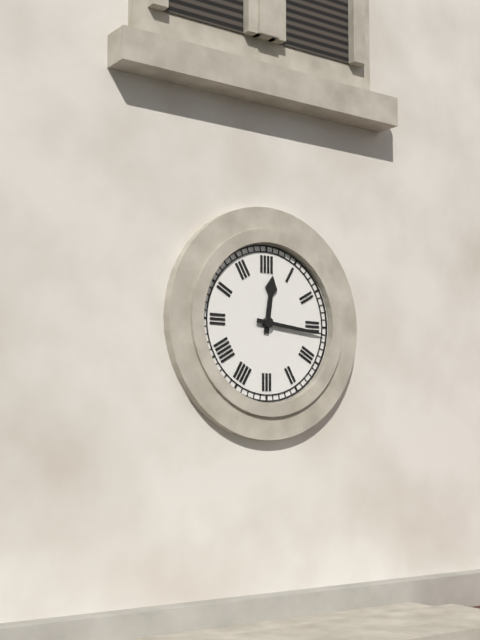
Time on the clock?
12:16
